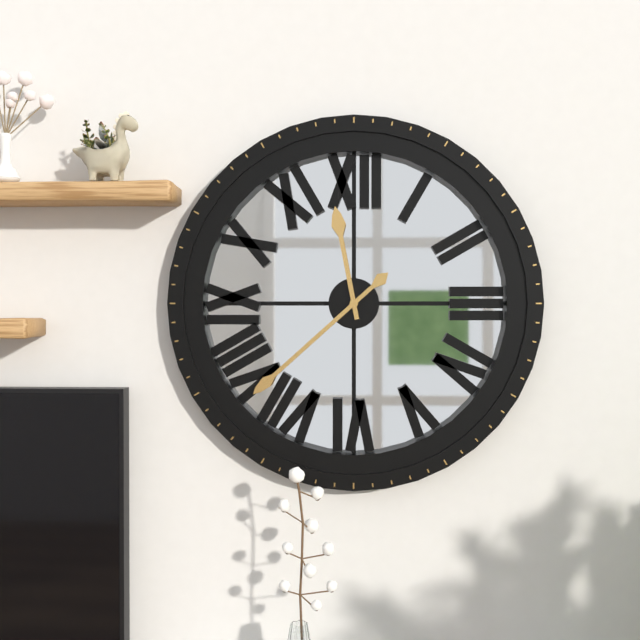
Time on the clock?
11:38
